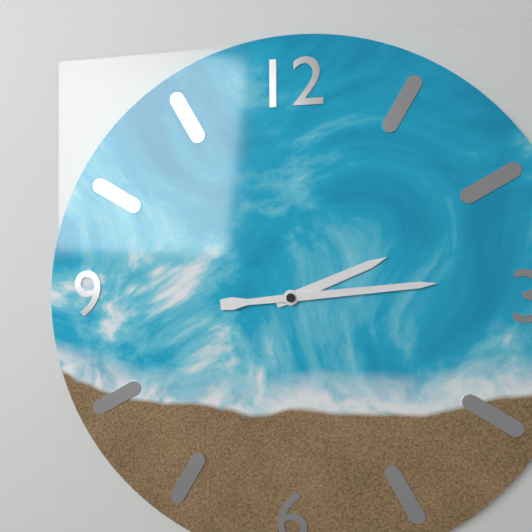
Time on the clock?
2:14
